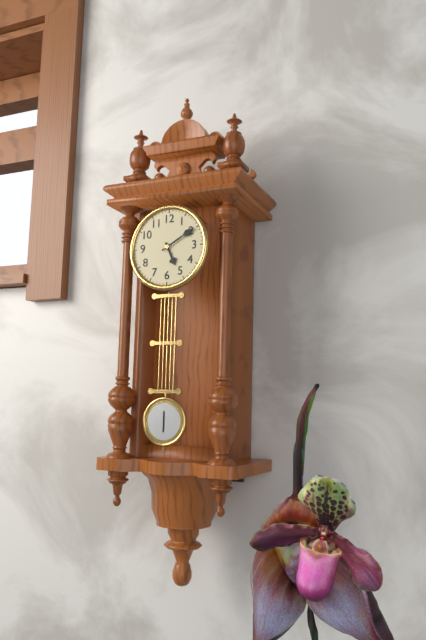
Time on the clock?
5:10
